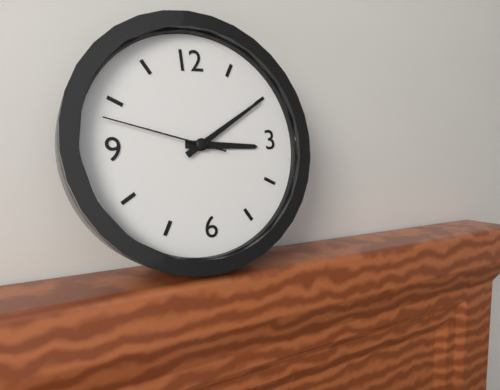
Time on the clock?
3:10:48
